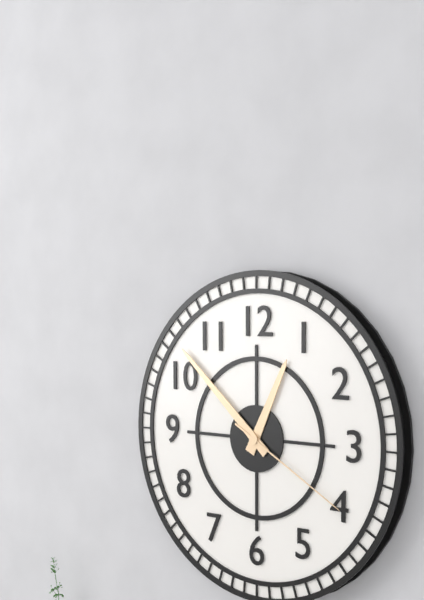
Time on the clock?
12:52:20
